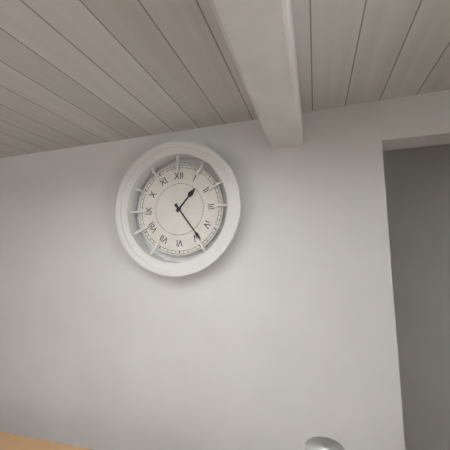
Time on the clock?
1:24
